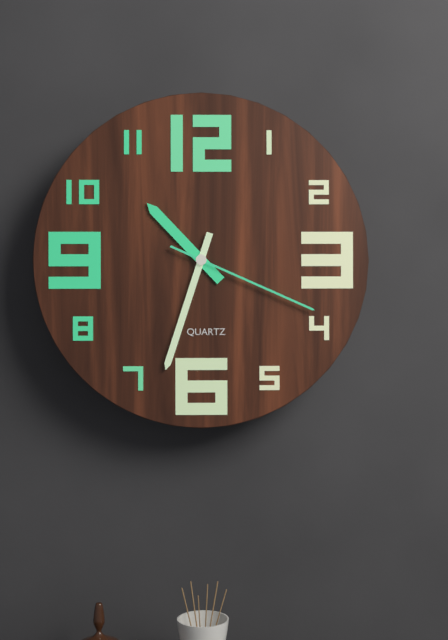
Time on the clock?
10:33:19
